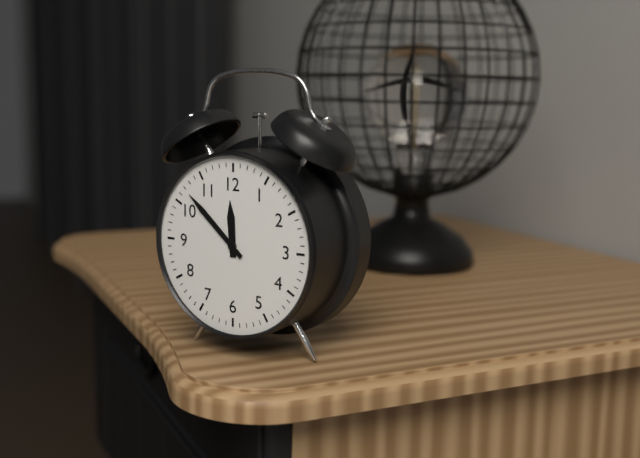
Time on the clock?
11:52
